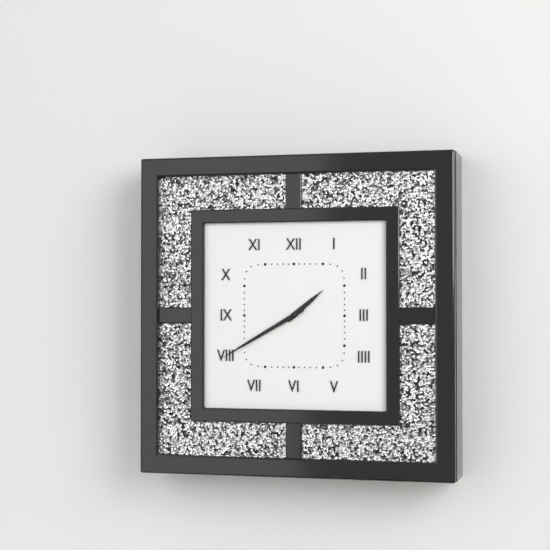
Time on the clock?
1:40
